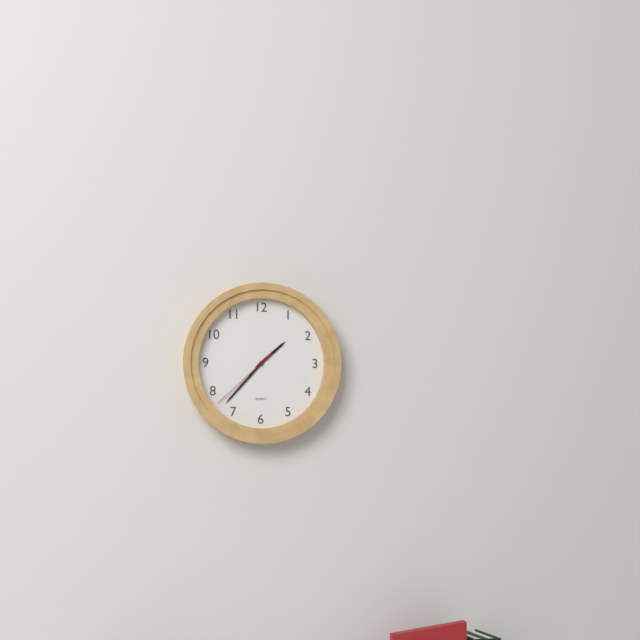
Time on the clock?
1:37:38
